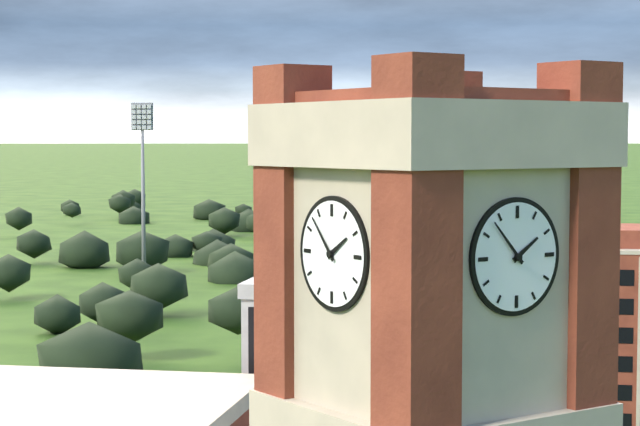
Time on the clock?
1:53
